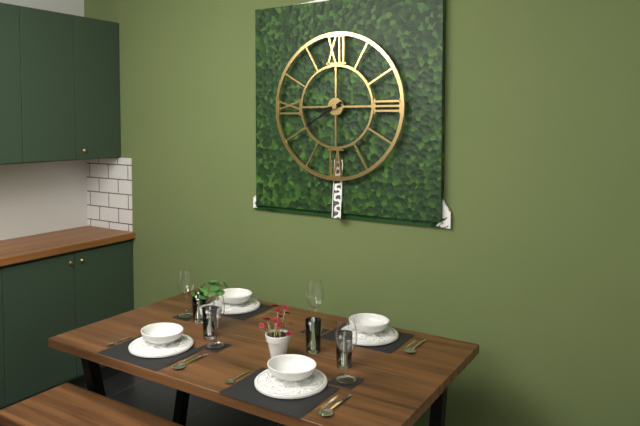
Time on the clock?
8:40
